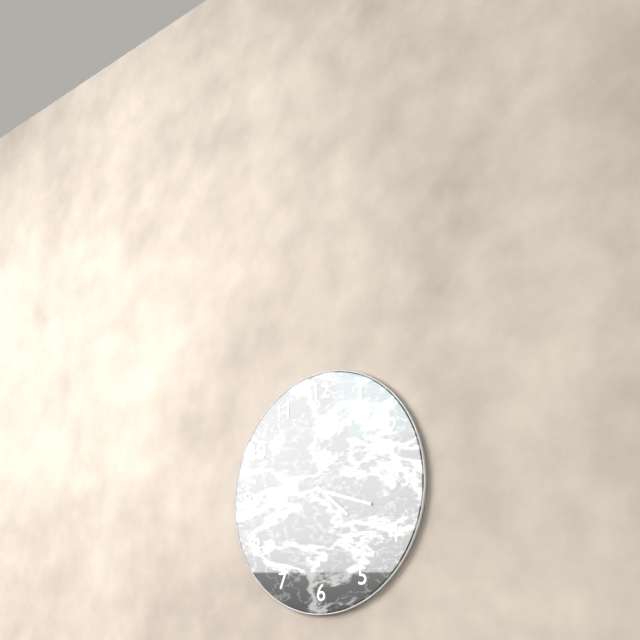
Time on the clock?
4:18
